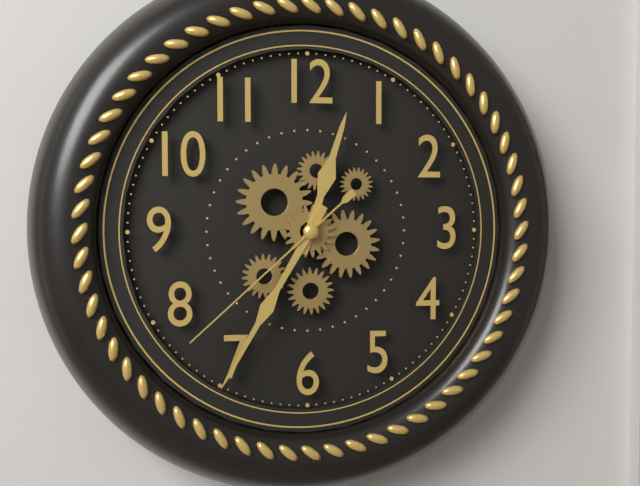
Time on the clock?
12:35:38
